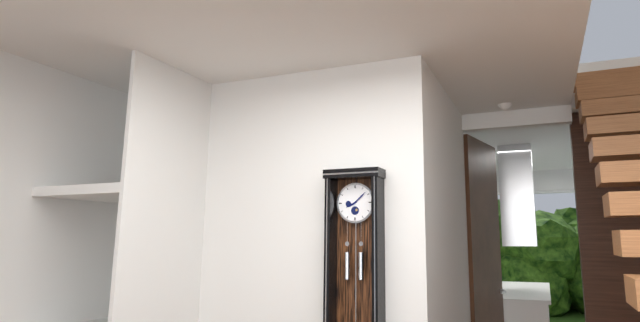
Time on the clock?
8:08
